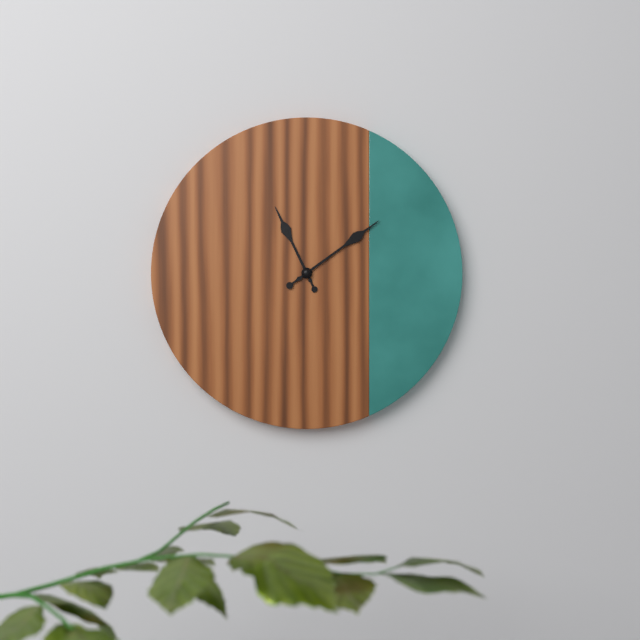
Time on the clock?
11:09
